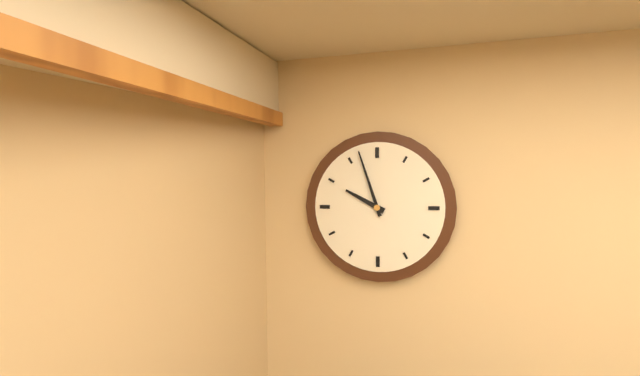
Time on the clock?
9:57
